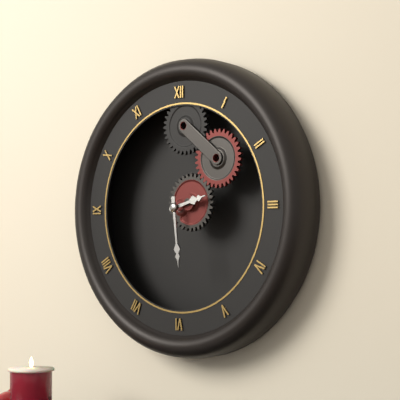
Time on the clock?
2:29
